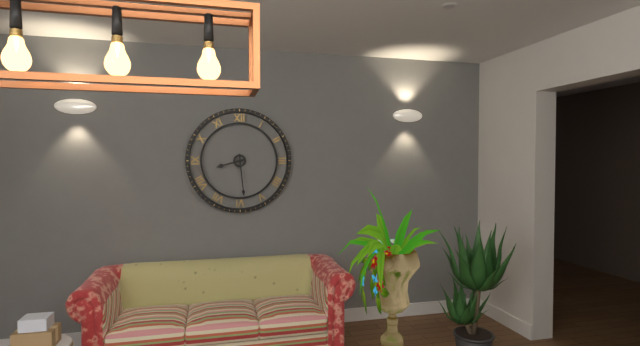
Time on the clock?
8:29
